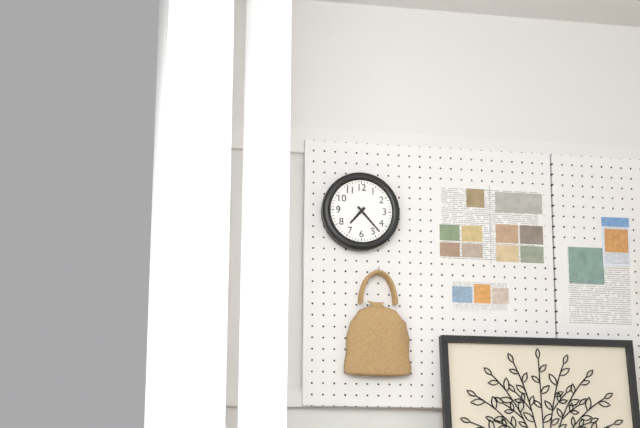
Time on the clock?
7:23
